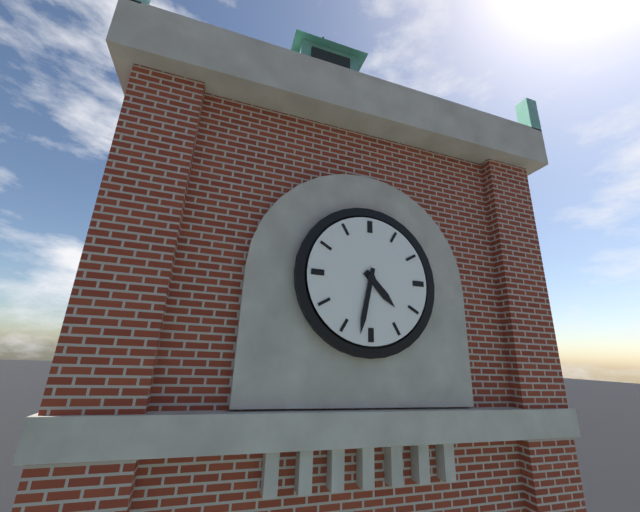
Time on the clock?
4:32
